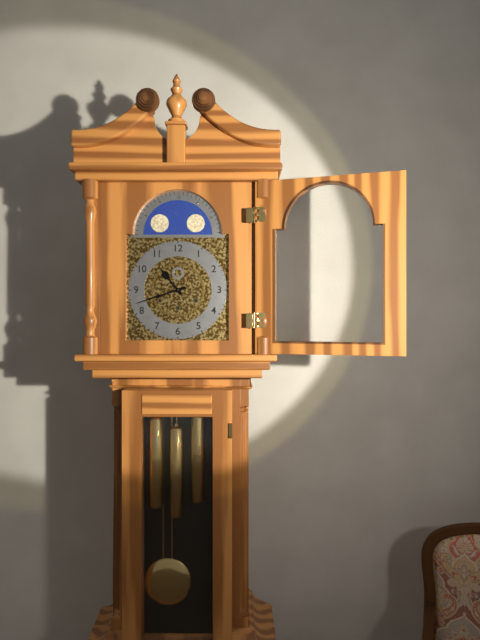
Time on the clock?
10:42
